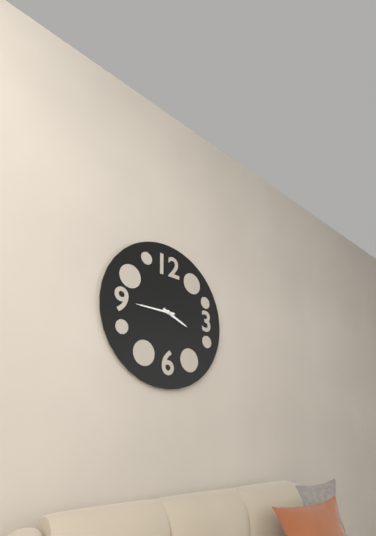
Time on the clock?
3:45
